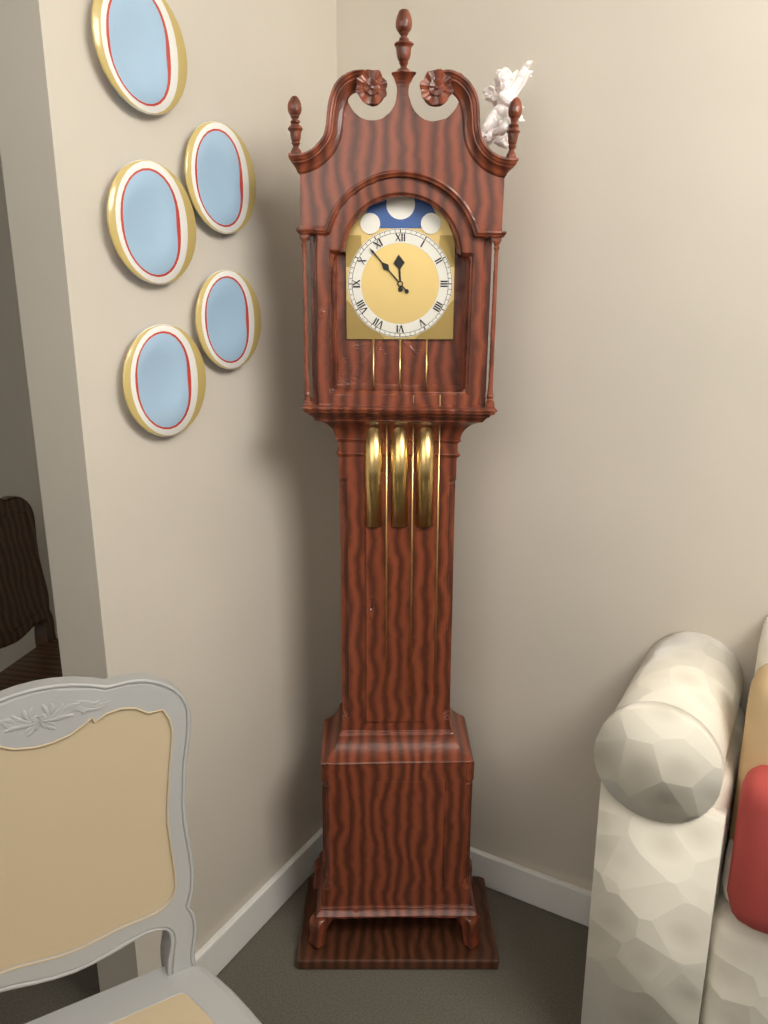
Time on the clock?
11:53
